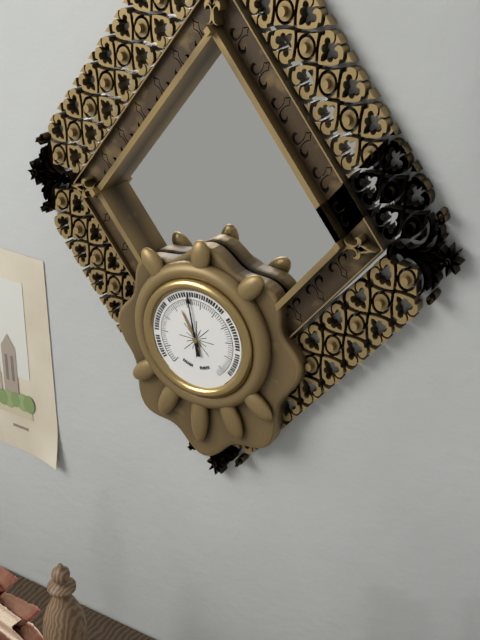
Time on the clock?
10:58
